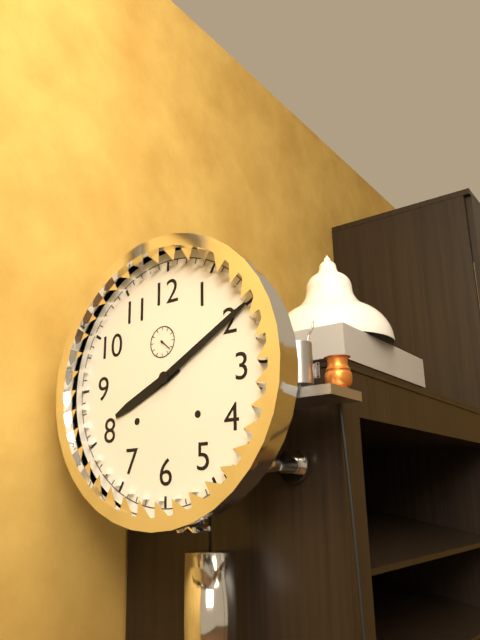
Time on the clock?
8:10
